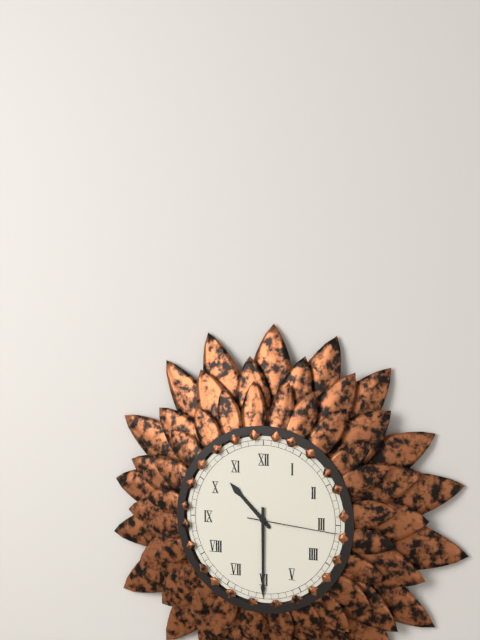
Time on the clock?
10:30:16
